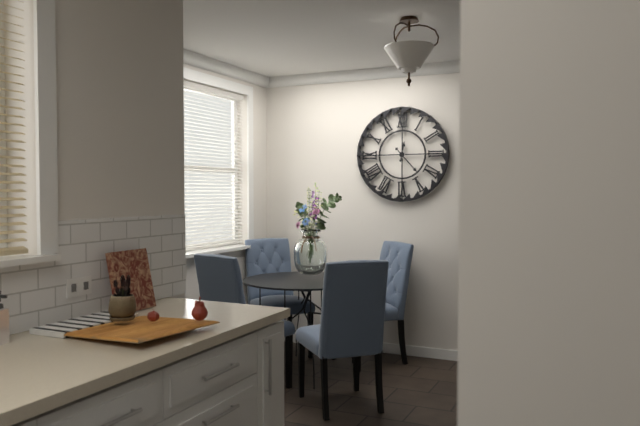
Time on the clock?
12:23
